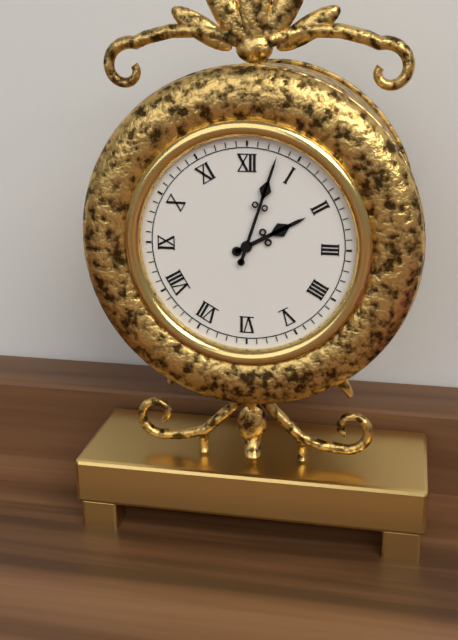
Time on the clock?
2:03
